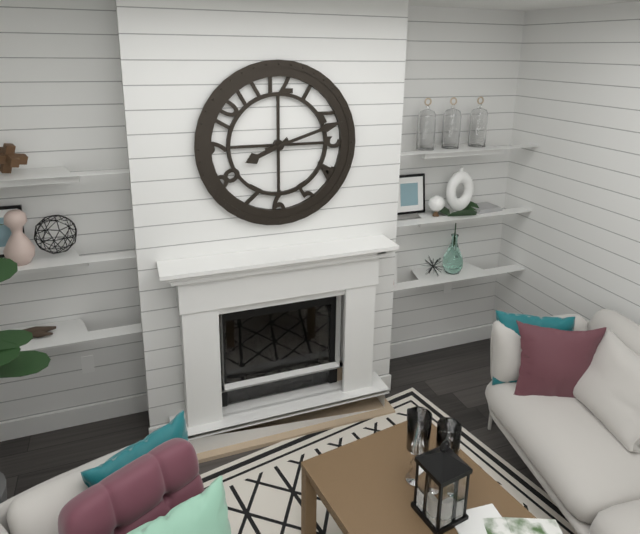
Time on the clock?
8:12
